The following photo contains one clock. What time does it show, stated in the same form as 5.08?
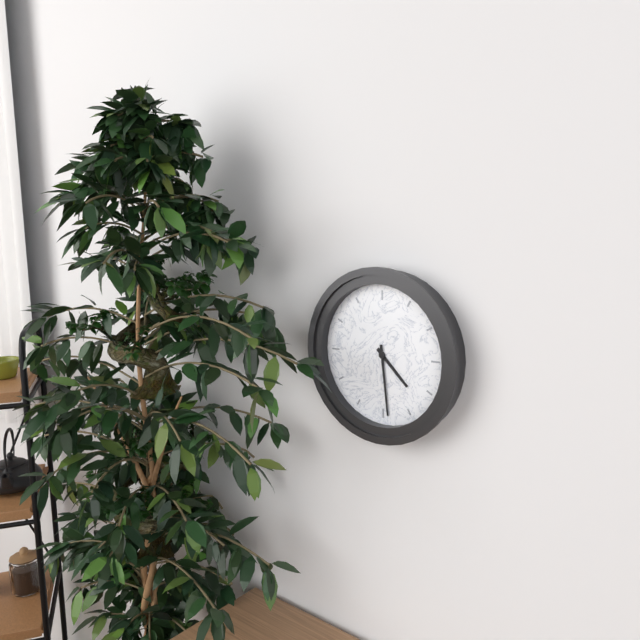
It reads 4.29
